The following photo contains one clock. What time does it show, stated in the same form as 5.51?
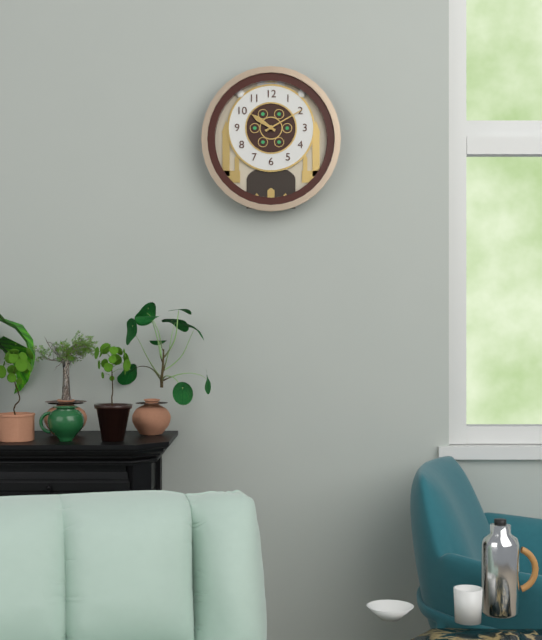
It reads 10.10
